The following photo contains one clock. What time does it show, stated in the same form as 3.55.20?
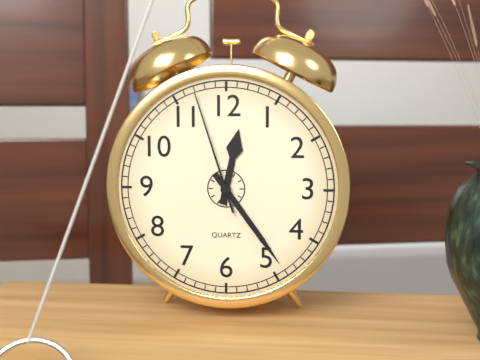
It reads 12.24.57
